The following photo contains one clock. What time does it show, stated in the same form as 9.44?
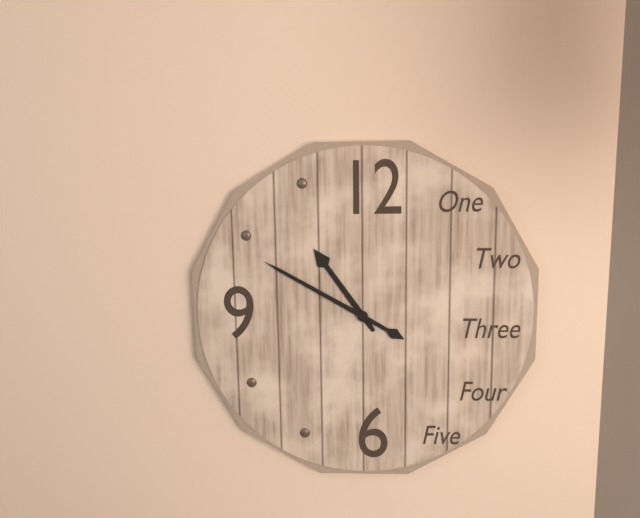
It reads 10.50
